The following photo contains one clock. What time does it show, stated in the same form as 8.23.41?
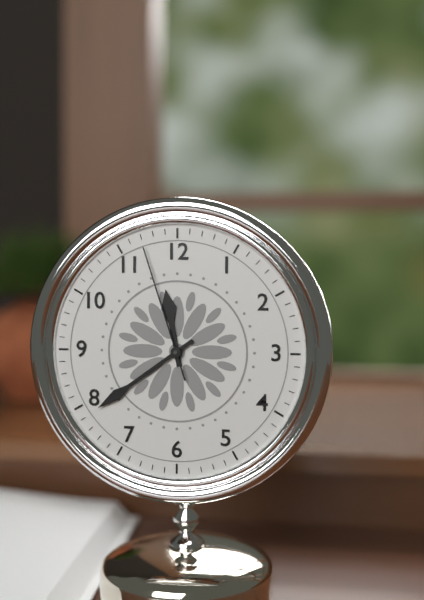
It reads 11.39.57
